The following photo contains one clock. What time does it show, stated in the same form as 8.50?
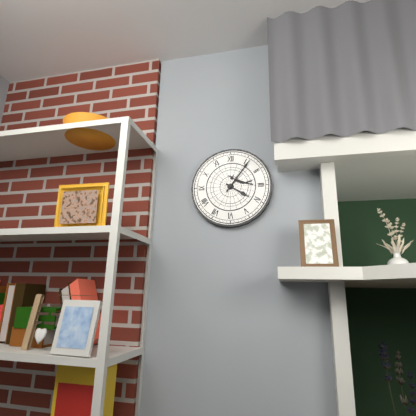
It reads 4.06
